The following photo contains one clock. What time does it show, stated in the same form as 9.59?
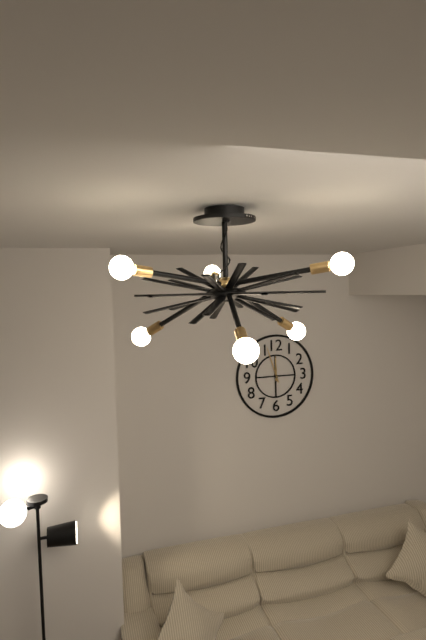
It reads 11.57
